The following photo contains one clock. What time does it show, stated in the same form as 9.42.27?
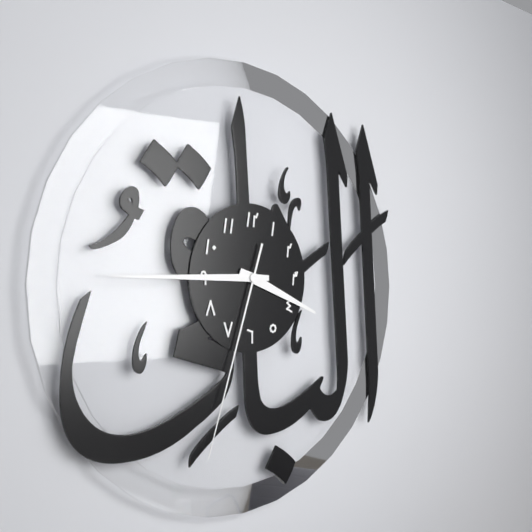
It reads 3.45.33
